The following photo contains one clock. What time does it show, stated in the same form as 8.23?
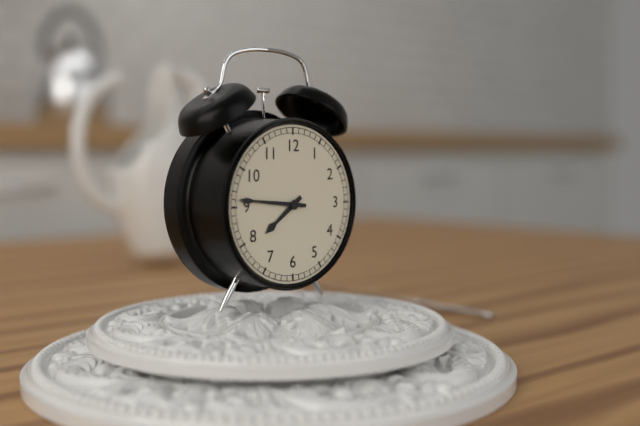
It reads 7.46
